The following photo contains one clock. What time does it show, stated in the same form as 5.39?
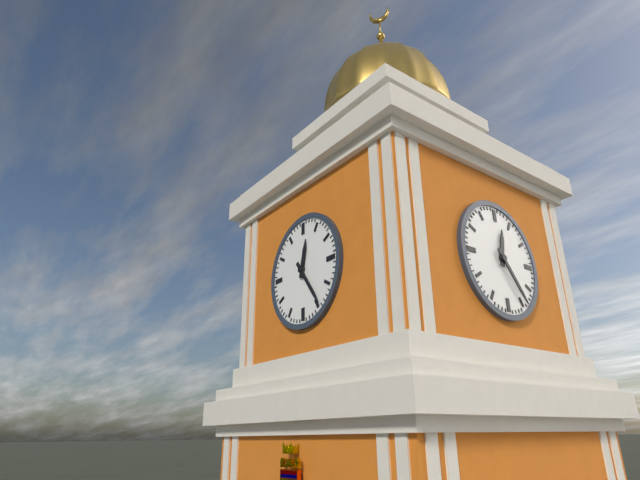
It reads 12.24
